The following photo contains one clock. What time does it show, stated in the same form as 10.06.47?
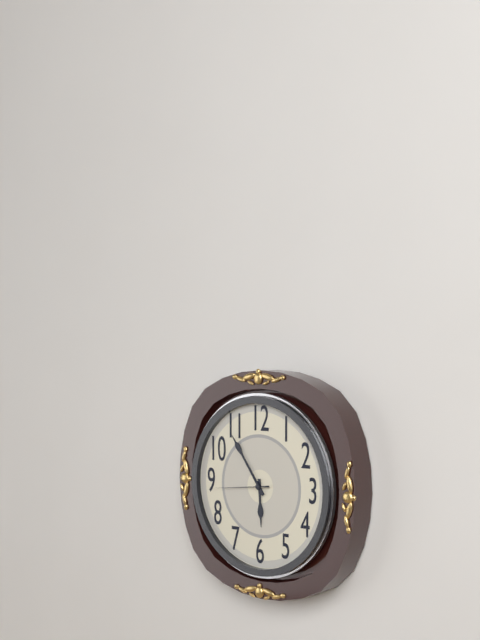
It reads 5.54.44
